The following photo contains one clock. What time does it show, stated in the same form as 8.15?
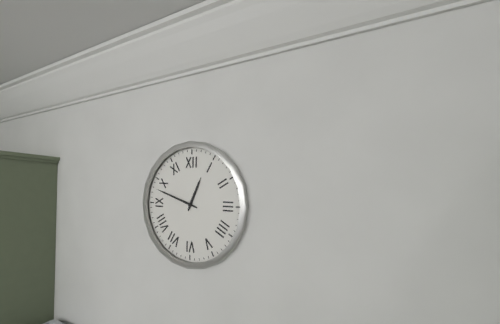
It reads 12.48
